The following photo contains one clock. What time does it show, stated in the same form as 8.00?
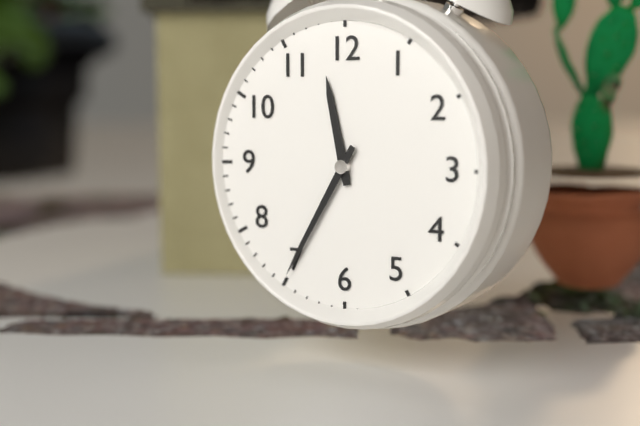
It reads 11.35
